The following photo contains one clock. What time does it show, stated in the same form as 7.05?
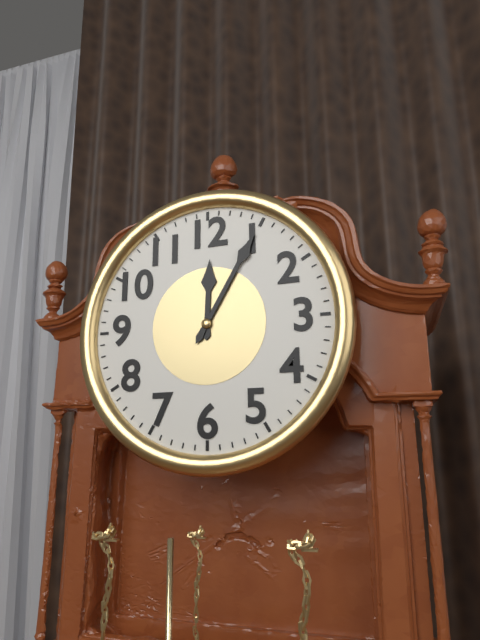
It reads 12.05
